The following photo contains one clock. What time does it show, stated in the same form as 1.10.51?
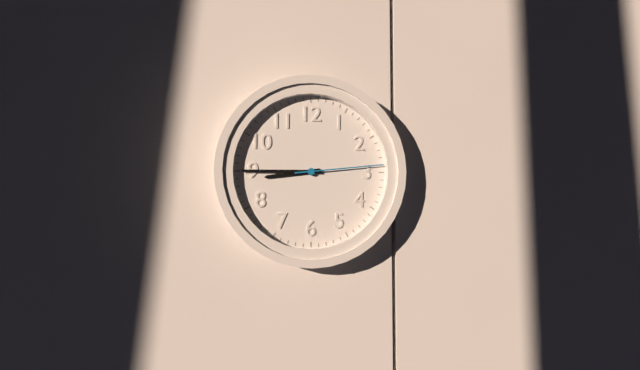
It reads 8.45.14
